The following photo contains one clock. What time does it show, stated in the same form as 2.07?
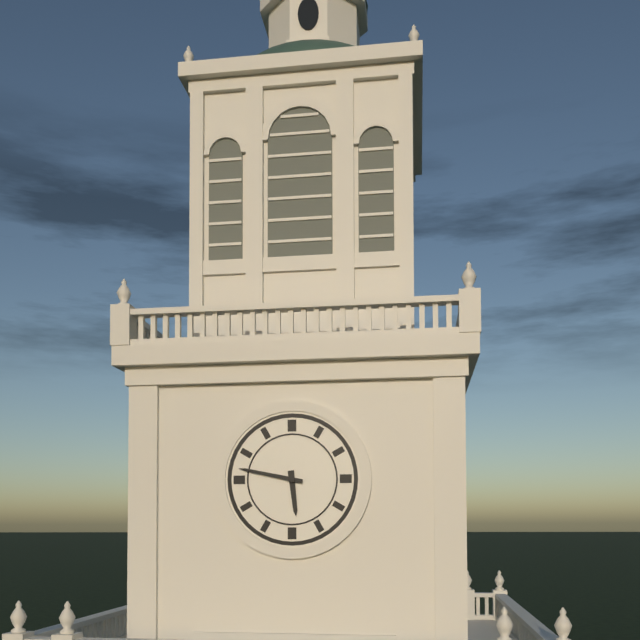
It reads 5.47
